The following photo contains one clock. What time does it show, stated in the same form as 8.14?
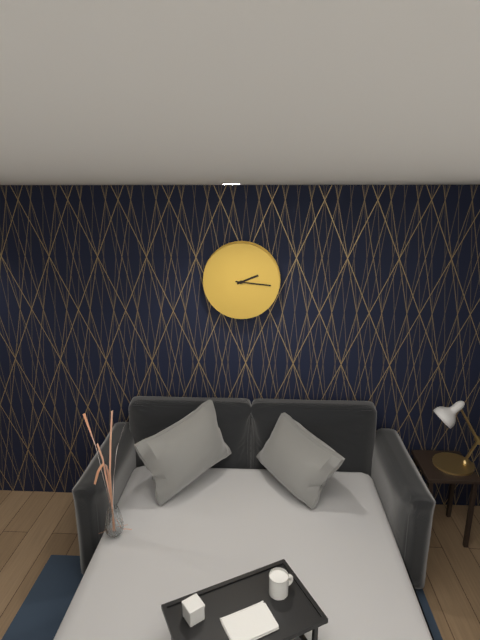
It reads 2.16
